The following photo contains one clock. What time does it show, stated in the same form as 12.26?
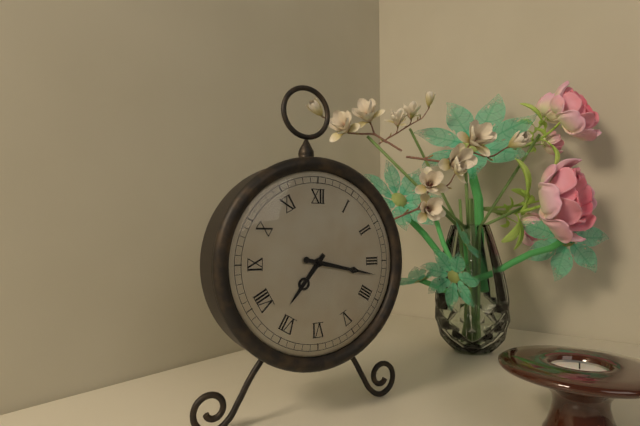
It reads 7.17
